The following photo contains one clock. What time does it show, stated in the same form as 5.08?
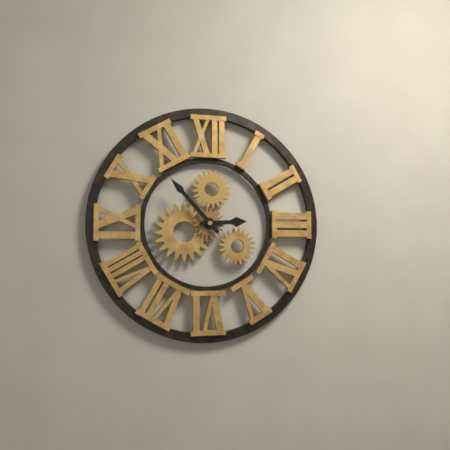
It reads 2.53
